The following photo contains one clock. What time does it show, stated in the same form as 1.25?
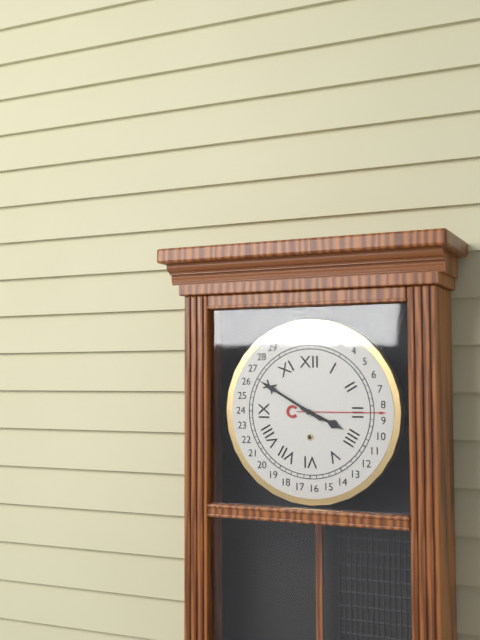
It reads 3.50
